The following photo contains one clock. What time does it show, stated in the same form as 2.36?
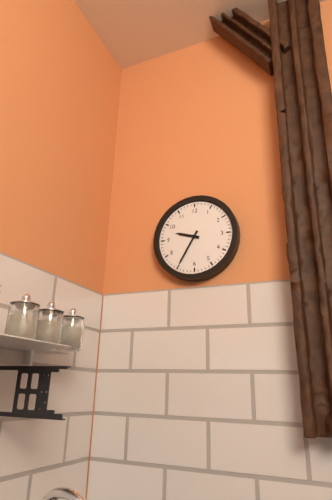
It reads 9.35
